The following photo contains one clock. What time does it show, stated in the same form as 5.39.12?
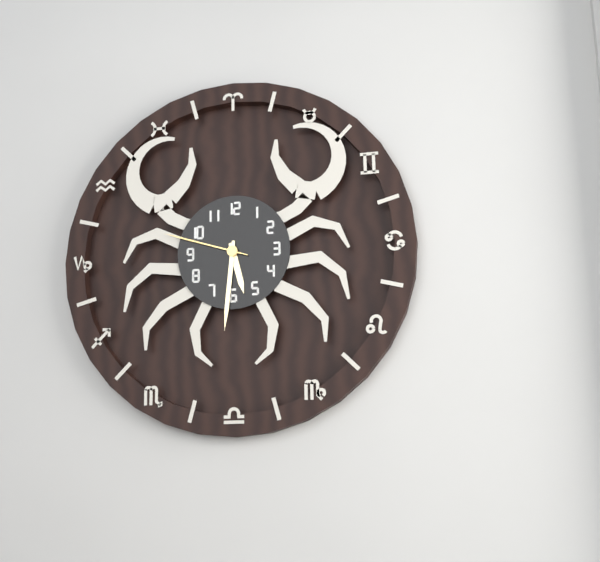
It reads 5.31.48
